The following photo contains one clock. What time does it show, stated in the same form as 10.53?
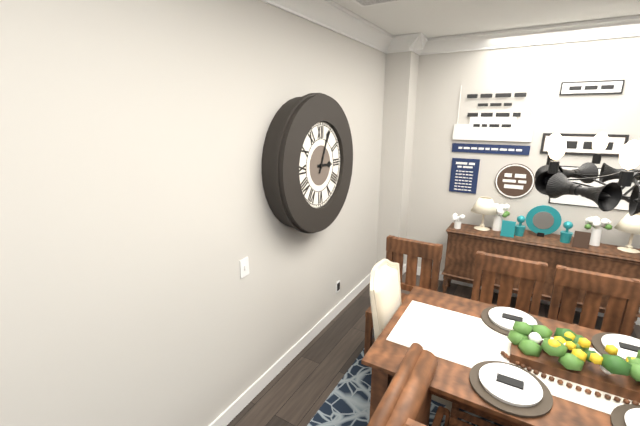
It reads 3.04
